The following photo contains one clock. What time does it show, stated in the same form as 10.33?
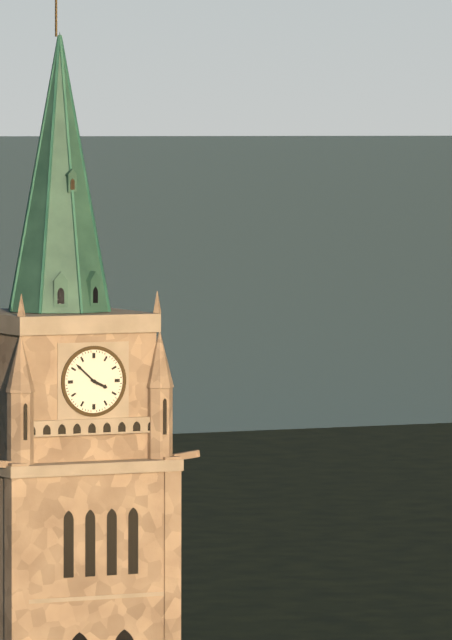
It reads 3.52
